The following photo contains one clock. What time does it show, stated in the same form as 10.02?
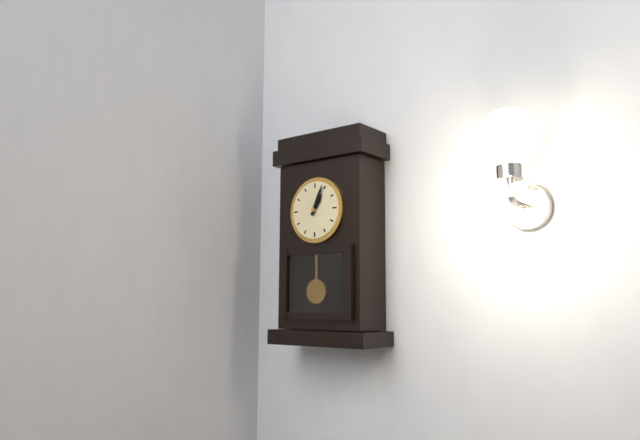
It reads 1.04
